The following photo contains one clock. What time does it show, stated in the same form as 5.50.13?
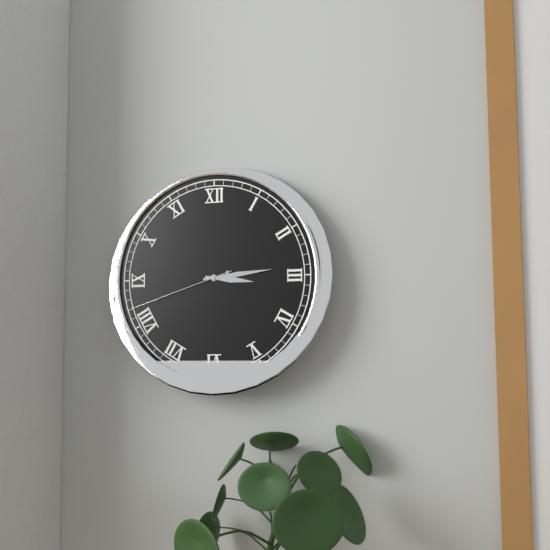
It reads 3.14.42
